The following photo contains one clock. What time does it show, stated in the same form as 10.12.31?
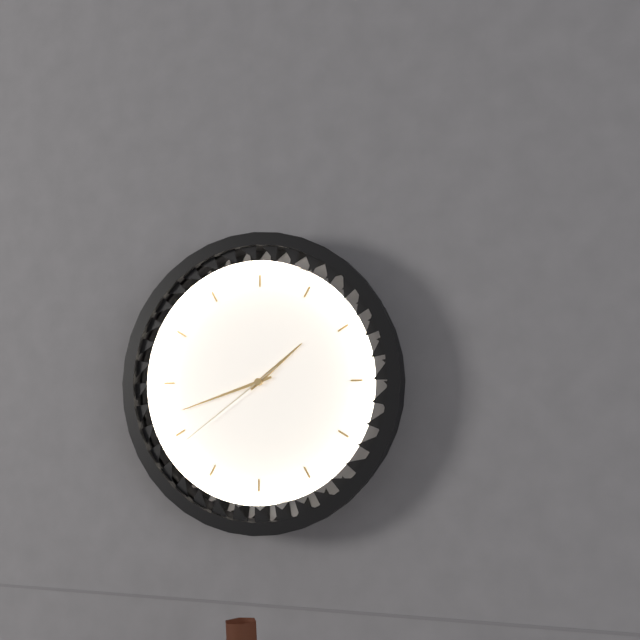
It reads 1.42.39
